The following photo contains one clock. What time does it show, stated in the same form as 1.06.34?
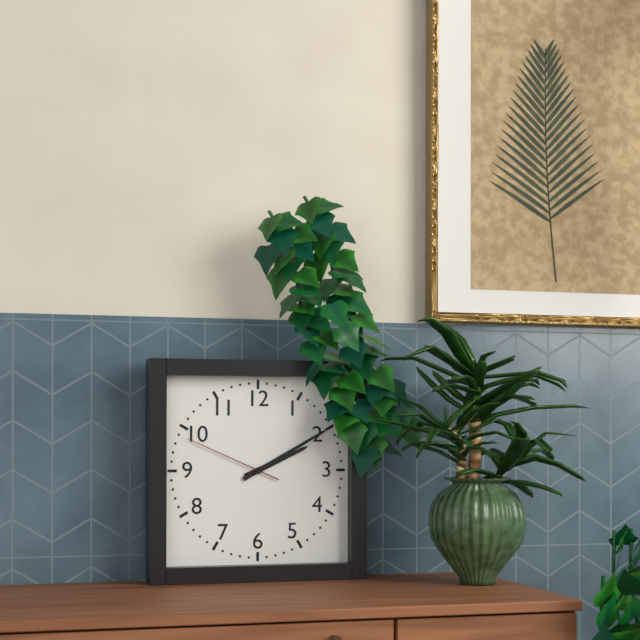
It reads 2.10.49
